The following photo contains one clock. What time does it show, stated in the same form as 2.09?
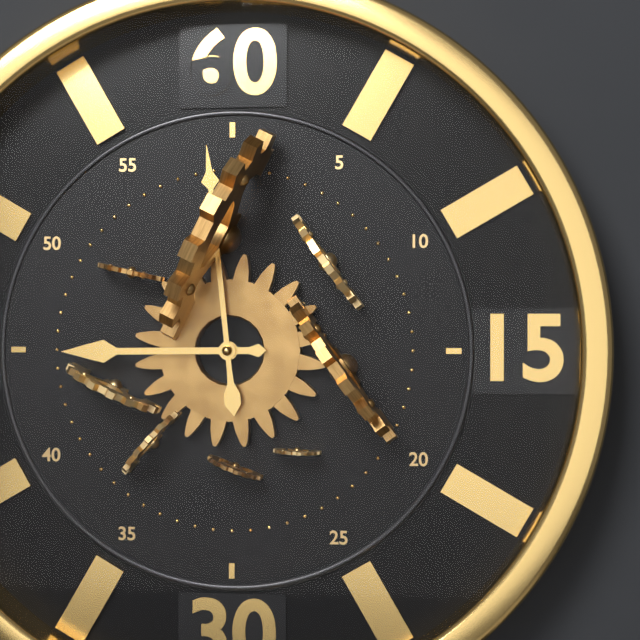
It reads 8.59
